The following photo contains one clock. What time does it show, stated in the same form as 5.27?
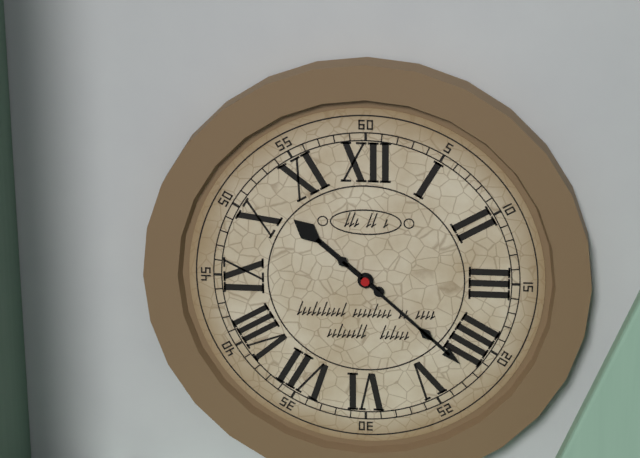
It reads 10.22
